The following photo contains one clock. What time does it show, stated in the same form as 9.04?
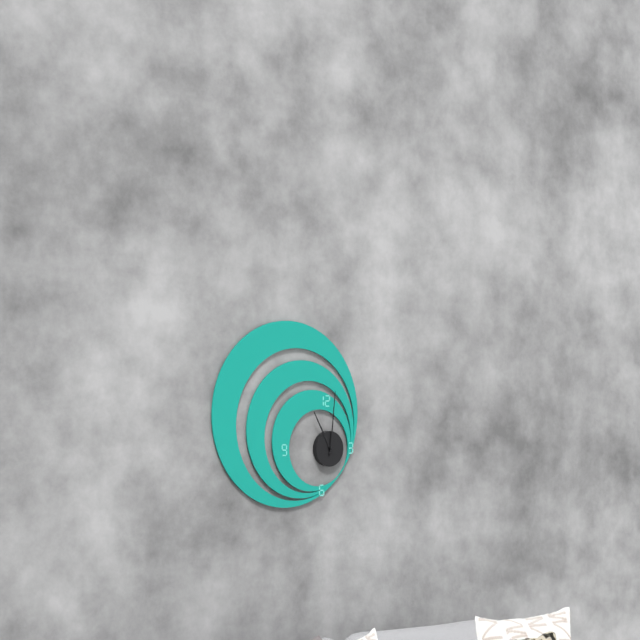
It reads 11.01
